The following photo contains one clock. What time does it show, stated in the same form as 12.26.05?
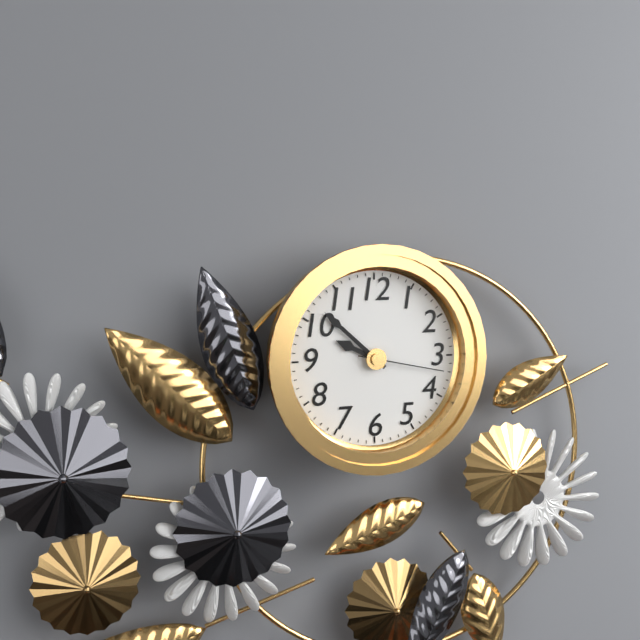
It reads 9.52.17
